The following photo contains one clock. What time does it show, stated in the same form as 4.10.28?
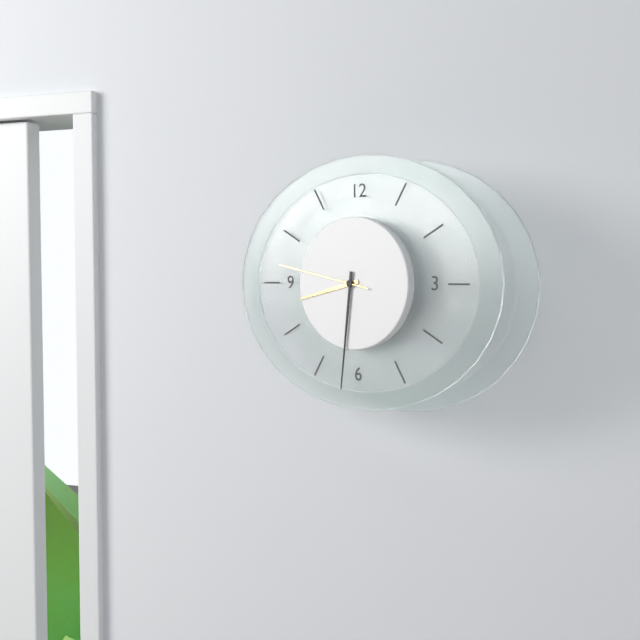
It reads 8.31.47
